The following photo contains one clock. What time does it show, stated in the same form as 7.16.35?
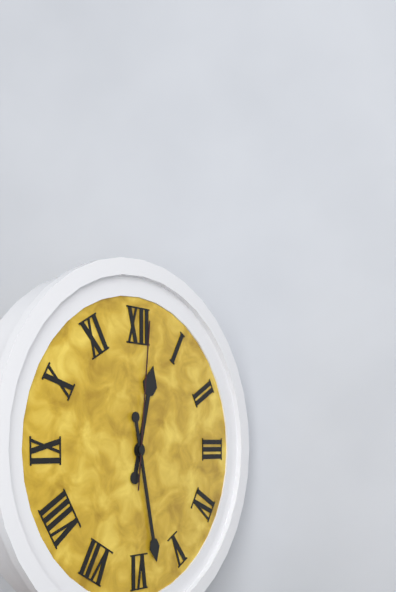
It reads 12.28.01
